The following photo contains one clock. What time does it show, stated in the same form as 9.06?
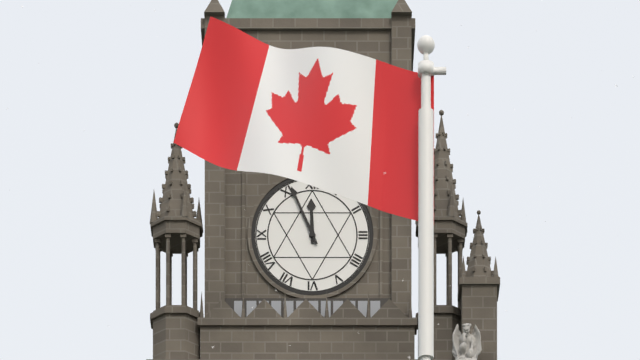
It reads 11.56
